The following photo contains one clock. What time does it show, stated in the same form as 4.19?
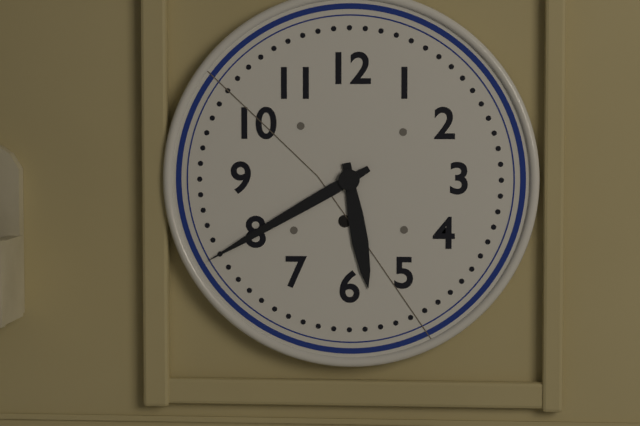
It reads 5.40
